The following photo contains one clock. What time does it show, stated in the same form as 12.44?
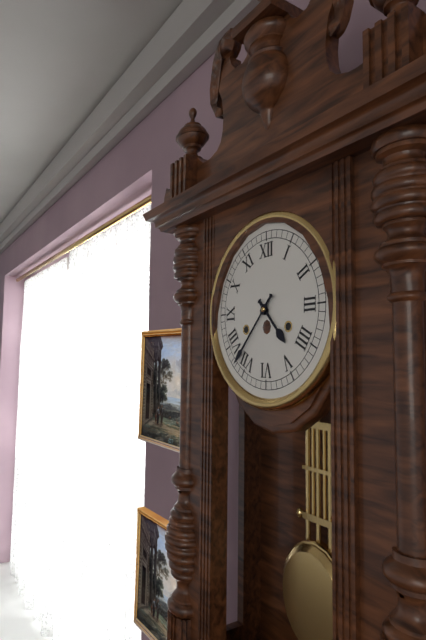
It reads 4.37
